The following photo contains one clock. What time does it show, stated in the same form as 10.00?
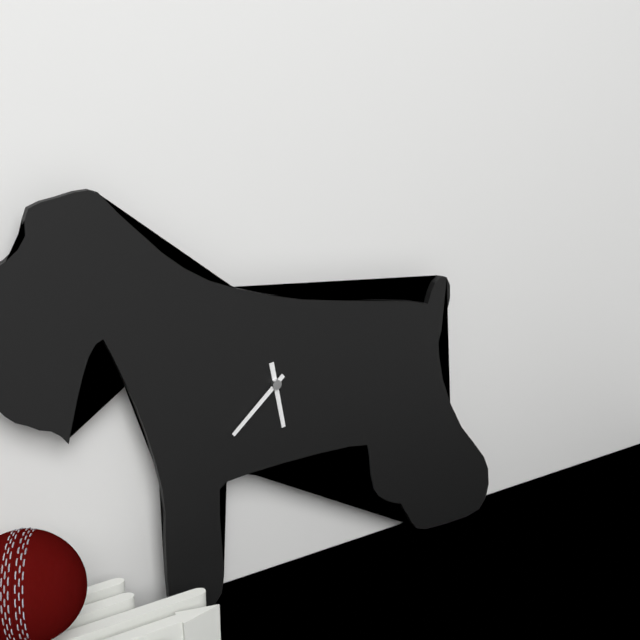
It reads 5.38
